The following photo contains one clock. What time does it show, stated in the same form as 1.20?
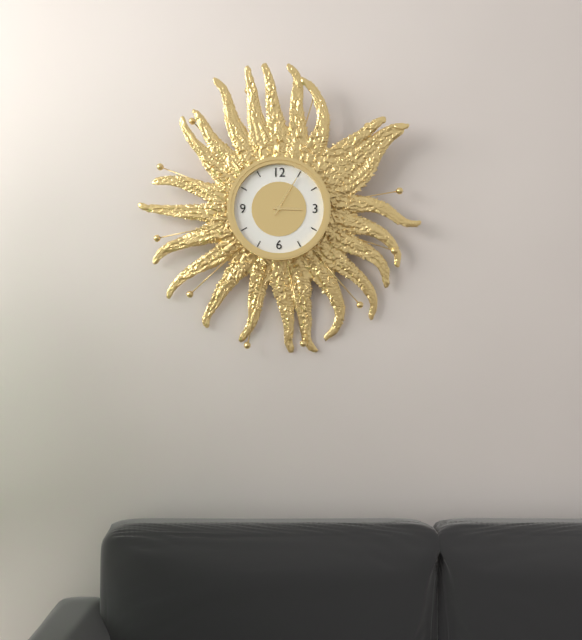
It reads 3.05
